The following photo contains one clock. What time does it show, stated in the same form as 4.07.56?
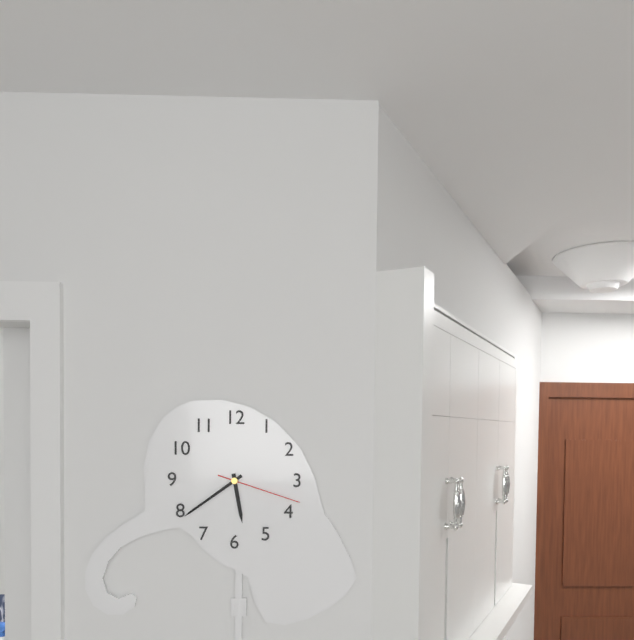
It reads 5.39.18
